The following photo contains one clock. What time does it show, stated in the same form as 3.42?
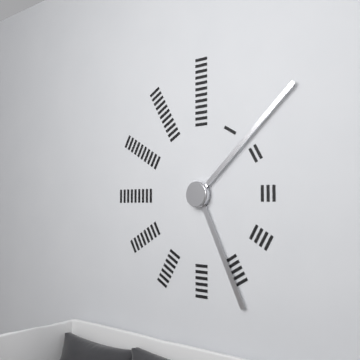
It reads 5.08
